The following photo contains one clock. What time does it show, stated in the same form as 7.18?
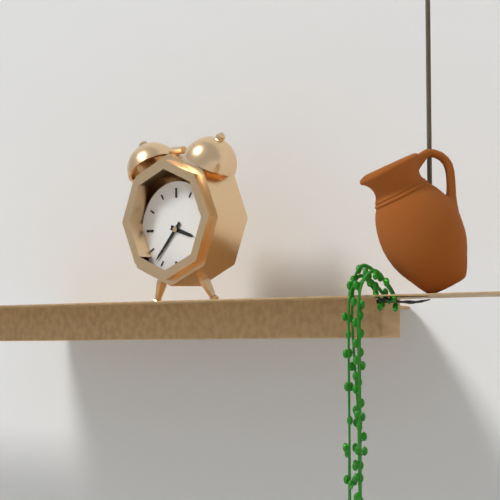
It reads 3.37
